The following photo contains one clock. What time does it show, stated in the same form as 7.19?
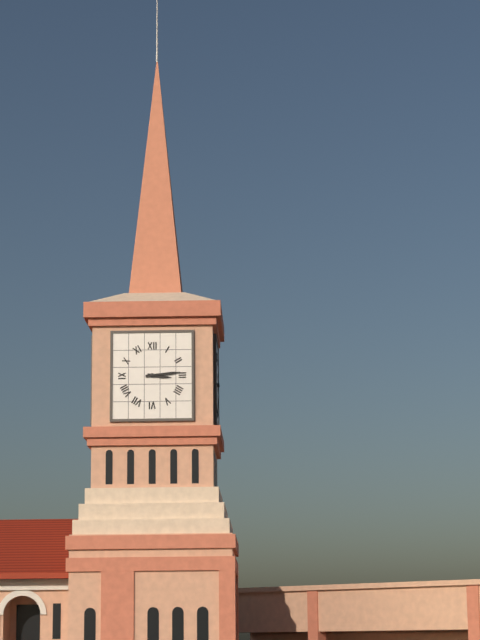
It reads 3.14
